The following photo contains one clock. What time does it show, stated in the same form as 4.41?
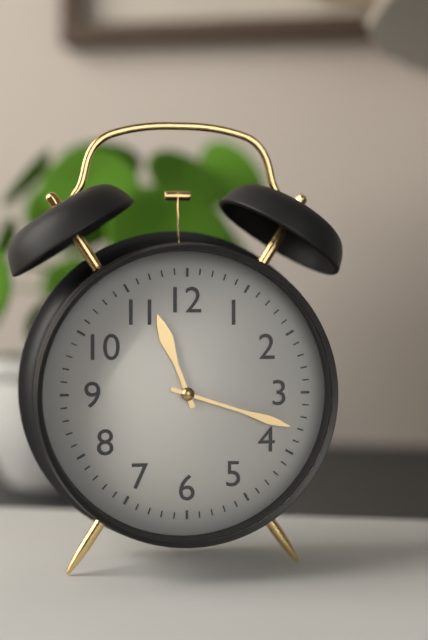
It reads 11.18
